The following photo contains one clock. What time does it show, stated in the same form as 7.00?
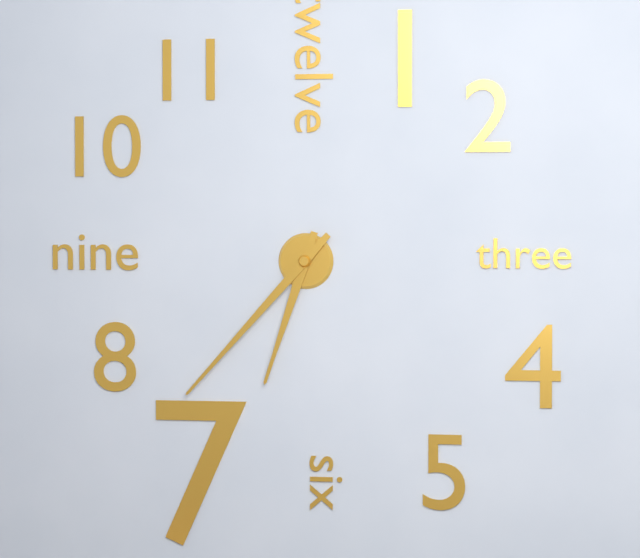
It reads 6.37
